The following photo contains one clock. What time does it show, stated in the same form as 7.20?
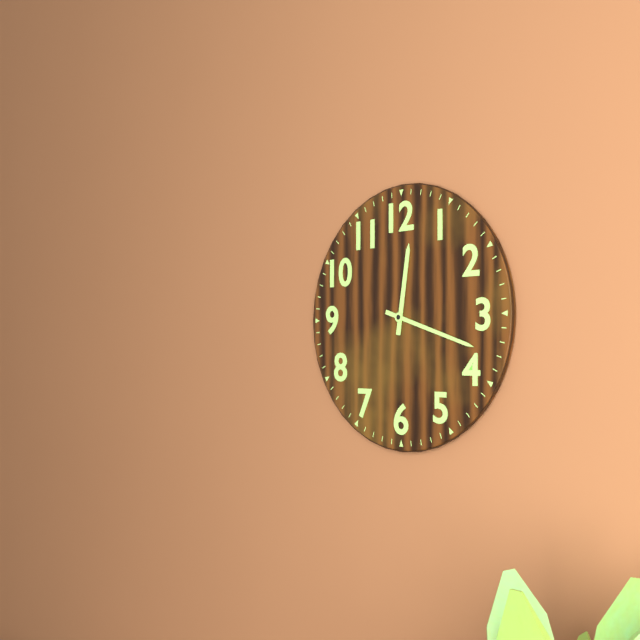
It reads 12.18
